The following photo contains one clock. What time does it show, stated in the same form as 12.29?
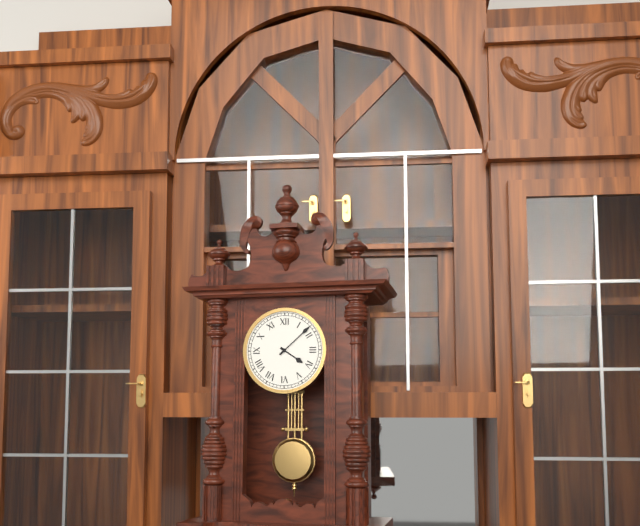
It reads 4.08
